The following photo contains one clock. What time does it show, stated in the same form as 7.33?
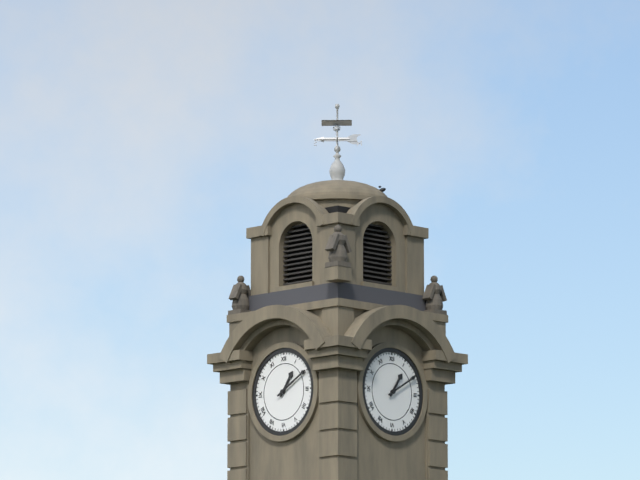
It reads 1.10
